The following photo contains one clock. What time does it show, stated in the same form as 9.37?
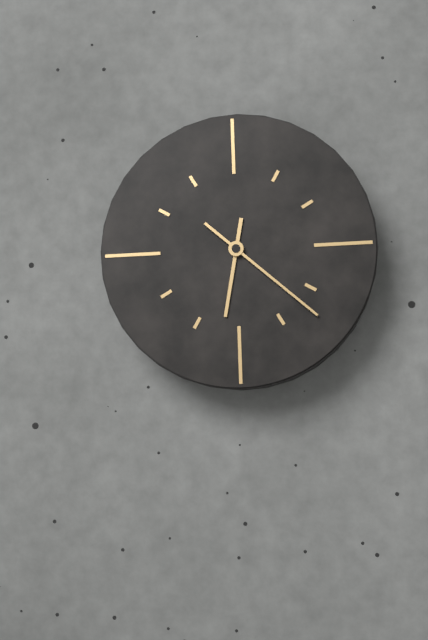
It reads 6.22
